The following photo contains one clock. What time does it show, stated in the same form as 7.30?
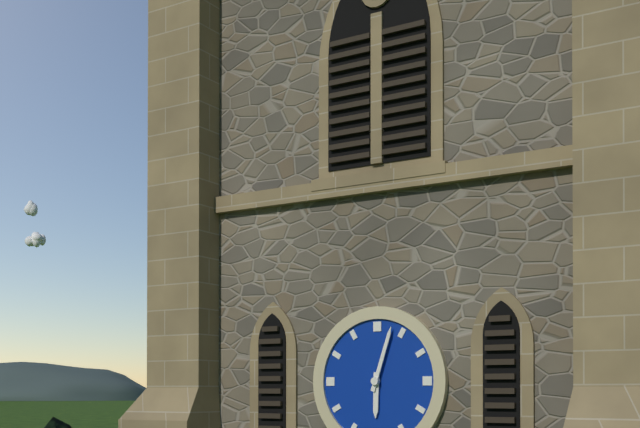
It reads 6.03
